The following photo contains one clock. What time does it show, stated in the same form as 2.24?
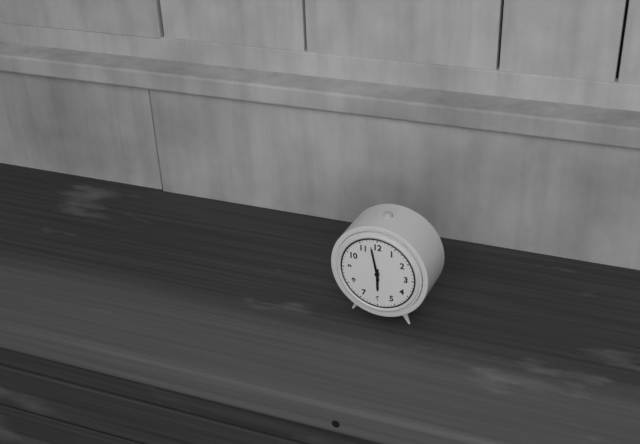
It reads 5.58
